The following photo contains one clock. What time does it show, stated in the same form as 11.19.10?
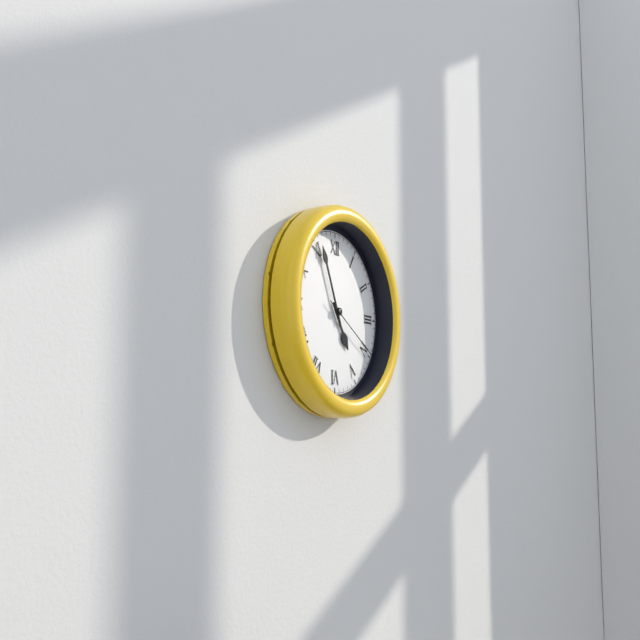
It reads 4.56.20
